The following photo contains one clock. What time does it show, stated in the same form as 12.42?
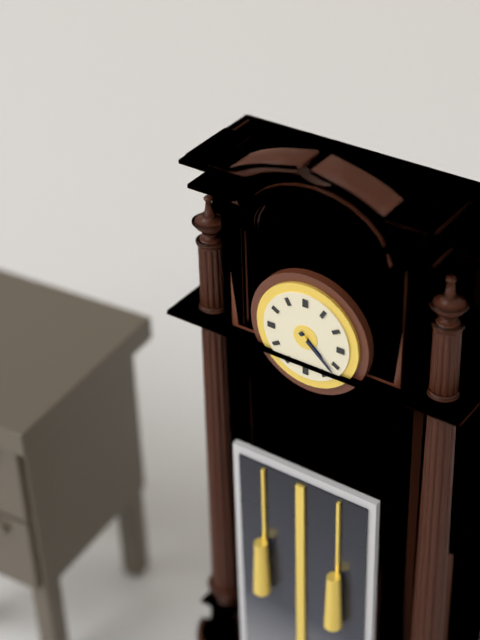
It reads 4.22
